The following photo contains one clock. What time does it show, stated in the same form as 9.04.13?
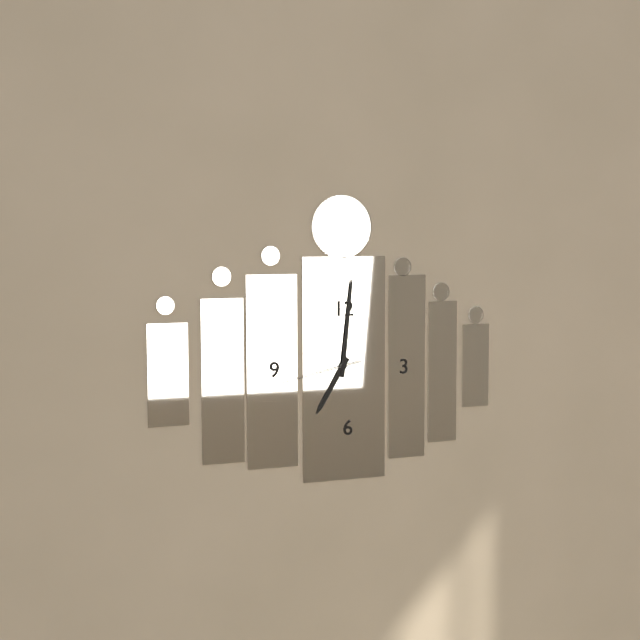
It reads 7.01.43
